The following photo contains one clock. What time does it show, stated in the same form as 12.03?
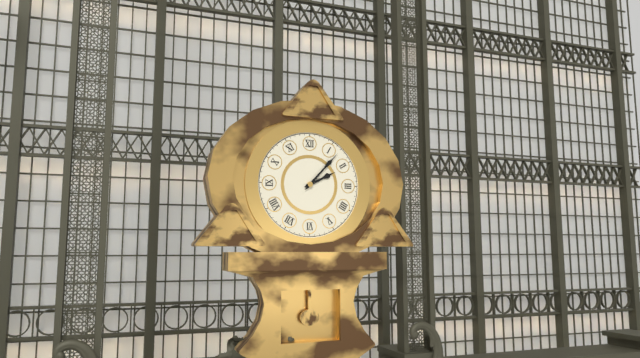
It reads 2.07
